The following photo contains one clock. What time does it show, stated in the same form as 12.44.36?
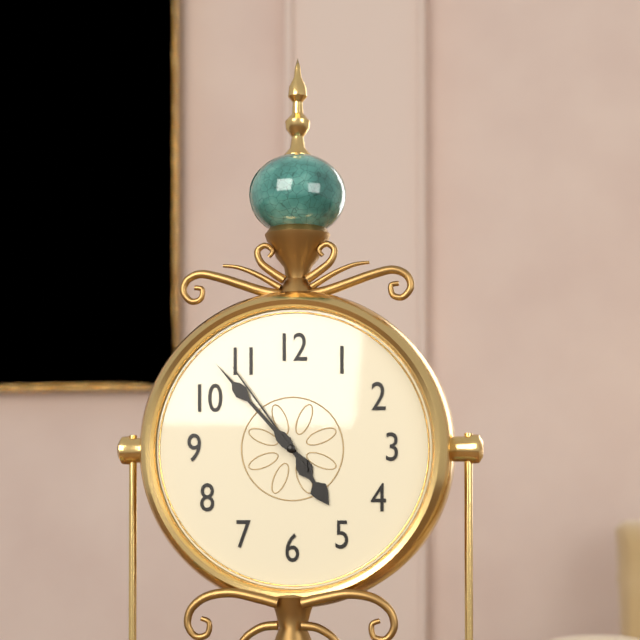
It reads 4.53.54
